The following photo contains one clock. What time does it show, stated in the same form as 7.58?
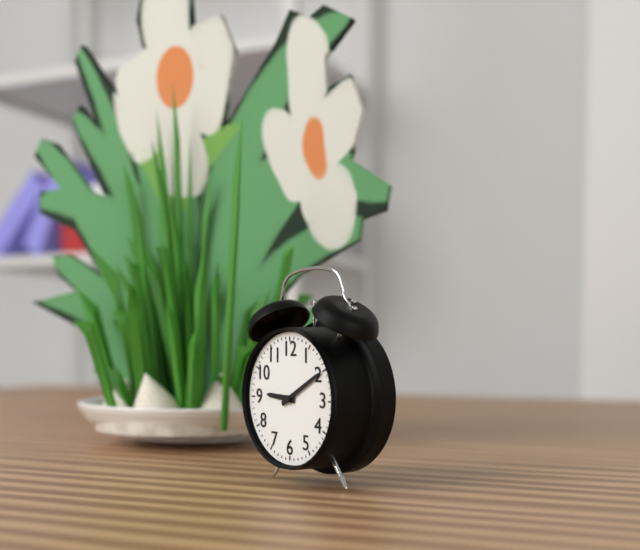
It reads 9.10
